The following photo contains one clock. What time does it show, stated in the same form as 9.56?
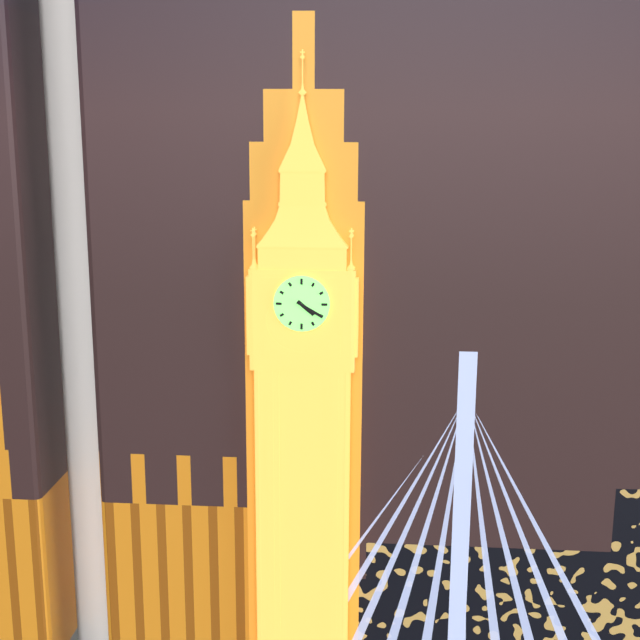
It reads 4.20
